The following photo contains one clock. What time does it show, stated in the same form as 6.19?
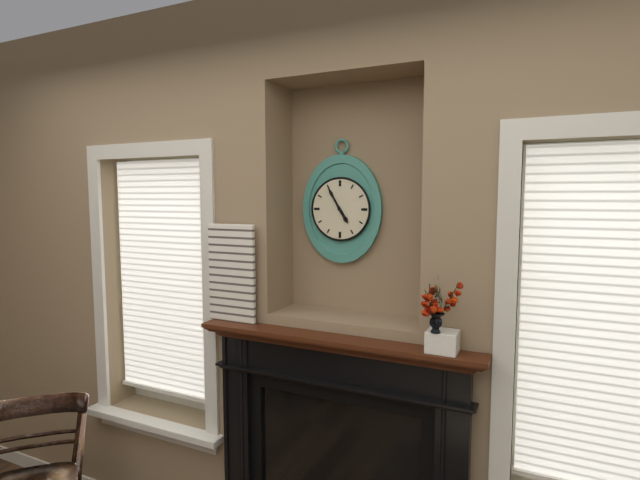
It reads 4.55
